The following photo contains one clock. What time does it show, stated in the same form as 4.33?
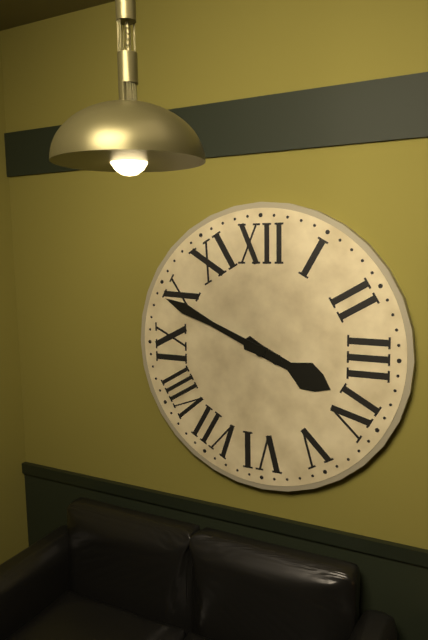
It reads 3.49
